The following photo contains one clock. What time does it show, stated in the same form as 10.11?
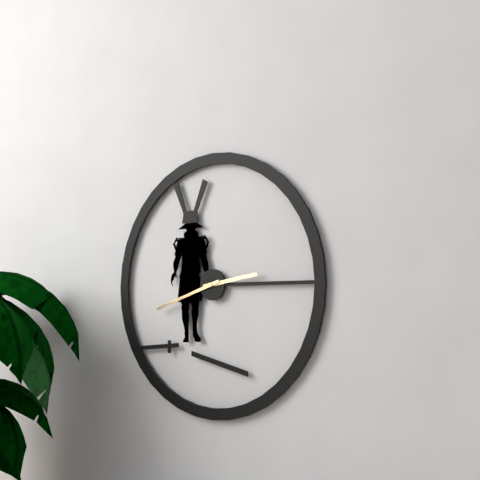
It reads 2.42
